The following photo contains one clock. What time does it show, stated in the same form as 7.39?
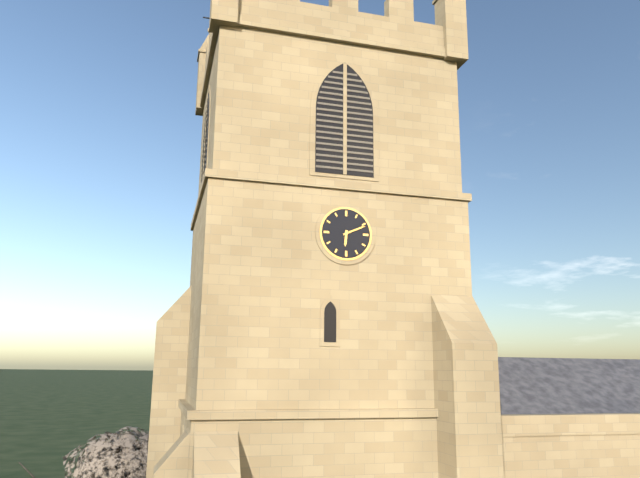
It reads 6.11
